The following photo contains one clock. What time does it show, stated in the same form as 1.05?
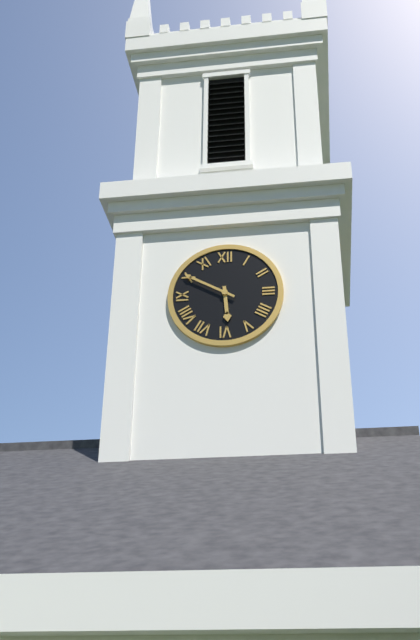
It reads 5.50
